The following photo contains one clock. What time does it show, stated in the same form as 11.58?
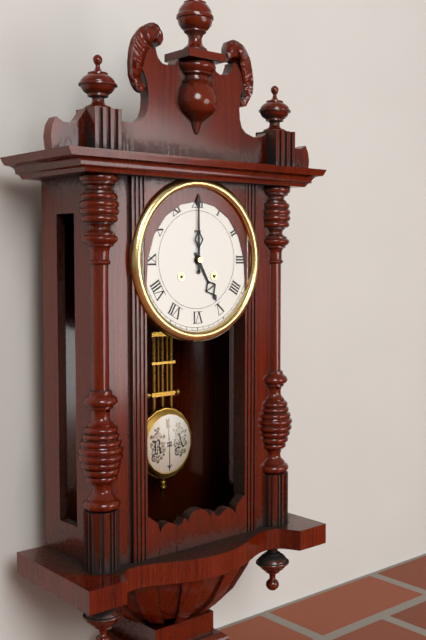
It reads 5.00
